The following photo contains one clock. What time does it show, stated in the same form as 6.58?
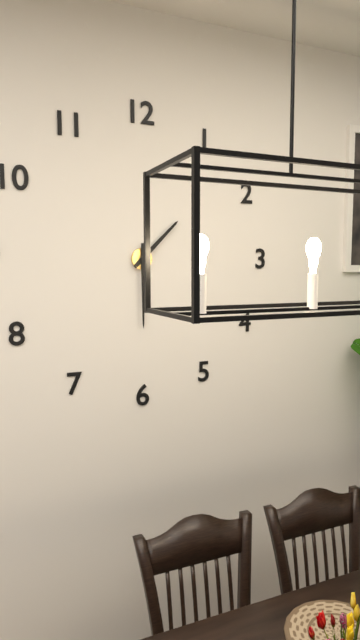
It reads 1.30
